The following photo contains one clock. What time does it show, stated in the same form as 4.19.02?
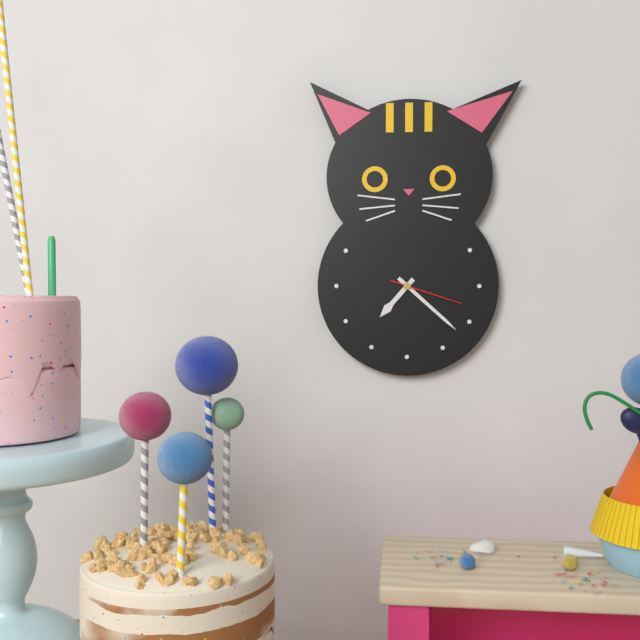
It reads 7.22.18
